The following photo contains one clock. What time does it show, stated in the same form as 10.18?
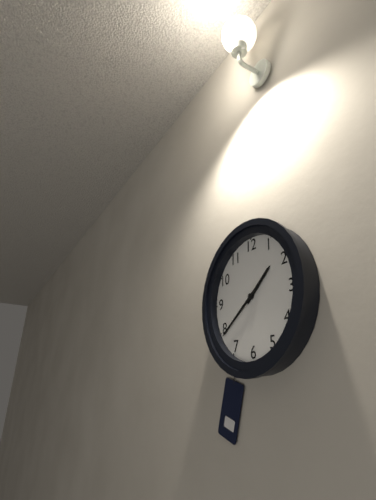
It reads 1.39
